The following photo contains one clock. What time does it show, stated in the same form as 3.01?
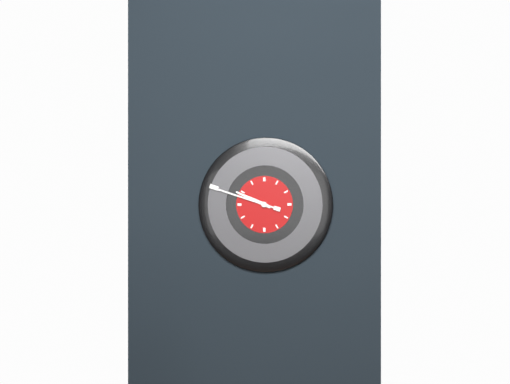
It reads 9.48
